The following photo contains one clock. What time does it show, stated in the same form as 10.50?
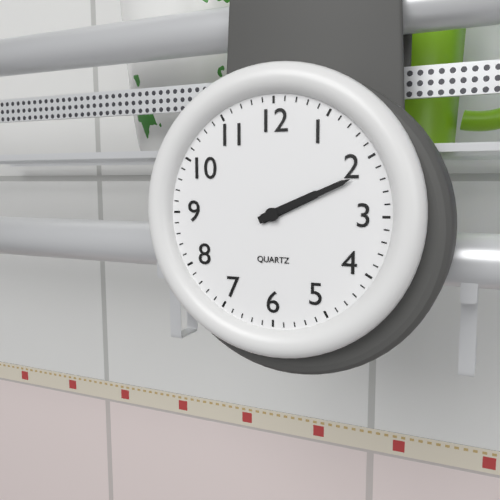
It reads 2.11
